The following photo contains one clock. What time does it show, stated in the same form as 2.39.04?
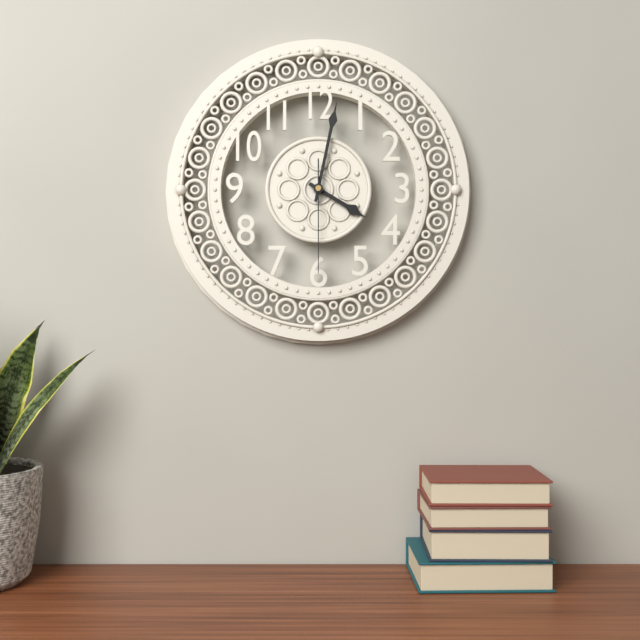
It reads 4.02.30
